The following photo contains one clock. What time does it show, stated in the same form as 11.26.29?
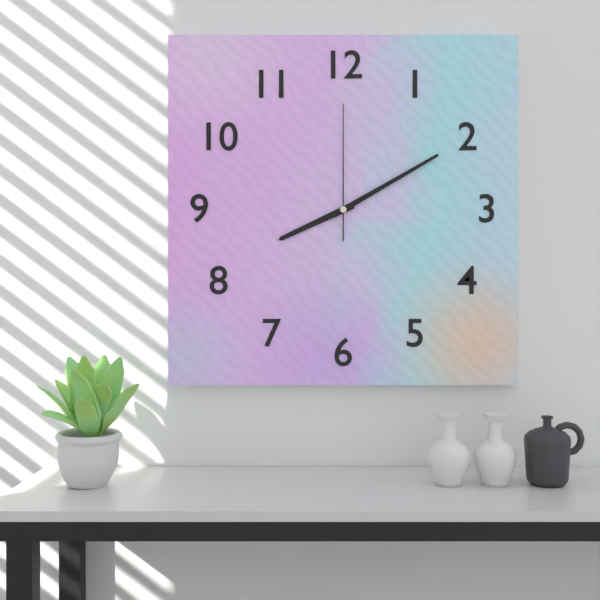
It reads 8.10.00
